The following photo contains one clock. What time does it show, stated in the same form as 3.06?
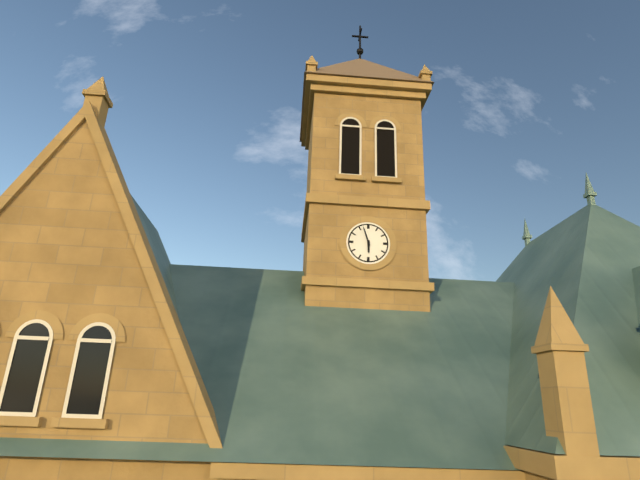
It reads 5.57
